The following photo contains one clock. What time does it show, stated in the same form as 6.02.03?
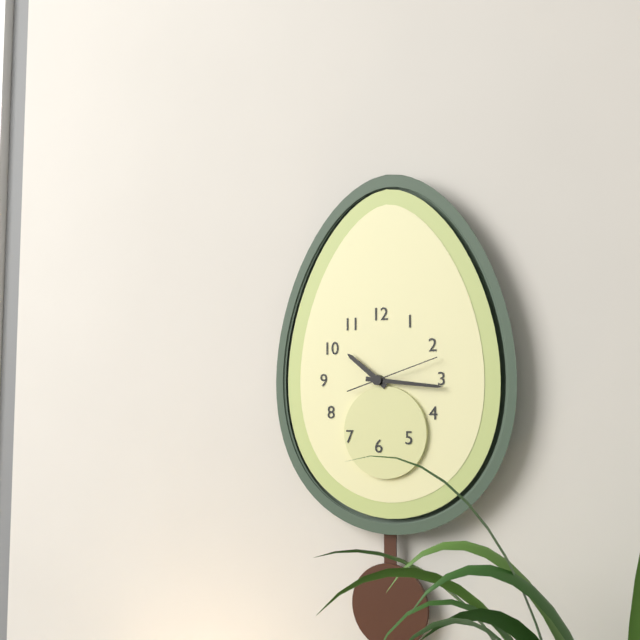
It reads 10.16.12
